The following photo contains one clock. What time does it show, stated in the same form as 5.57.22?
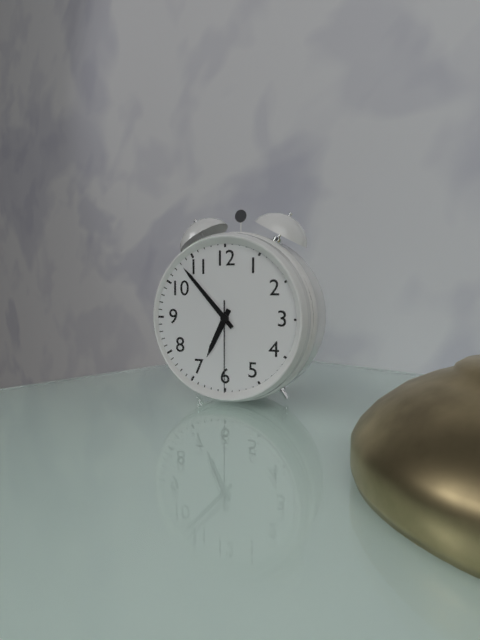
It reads 6.53.30
